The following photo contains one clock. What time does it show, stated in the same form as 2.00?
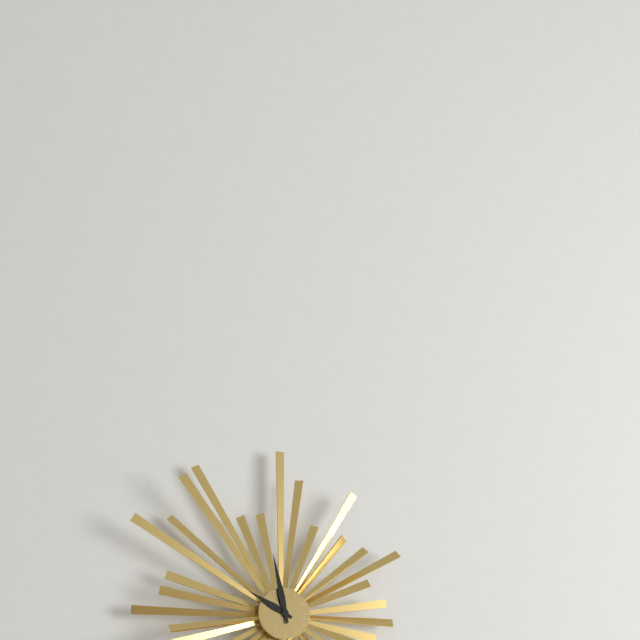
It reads 9.58
